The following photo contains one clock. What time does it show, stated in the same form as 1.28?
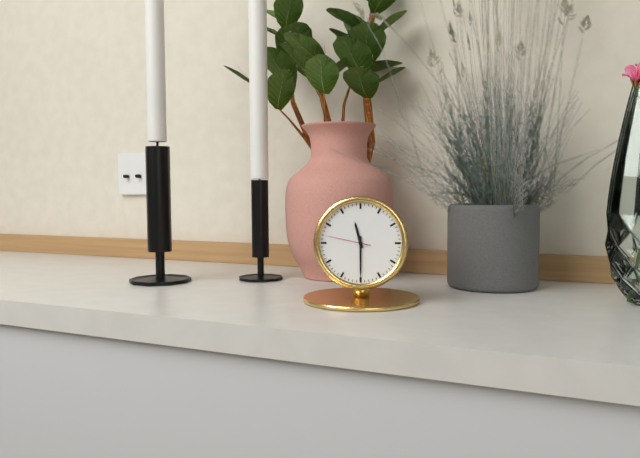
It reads 11.30
